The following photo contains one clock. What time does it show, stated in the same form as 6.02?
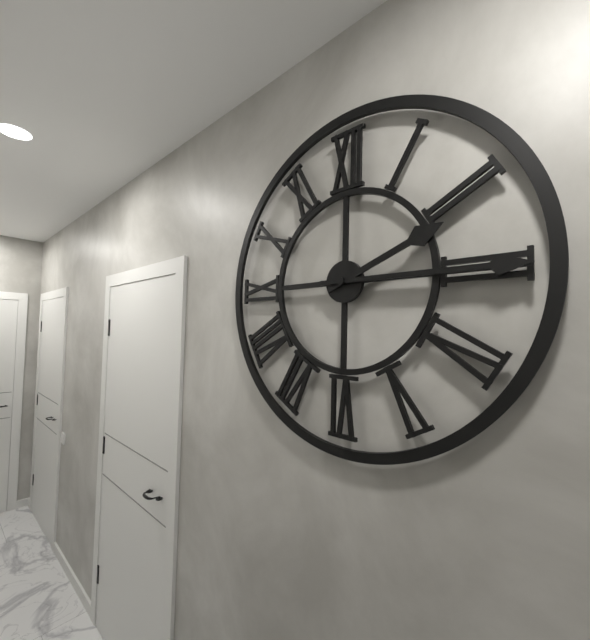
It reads 2.15
